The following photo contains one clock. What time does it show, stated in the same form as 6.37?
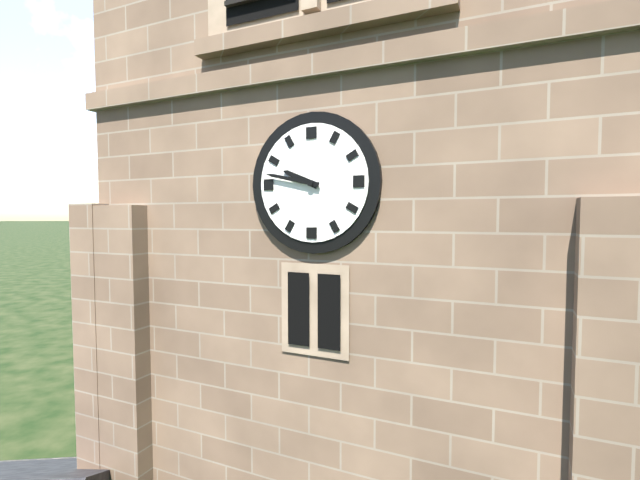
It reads 9.47
